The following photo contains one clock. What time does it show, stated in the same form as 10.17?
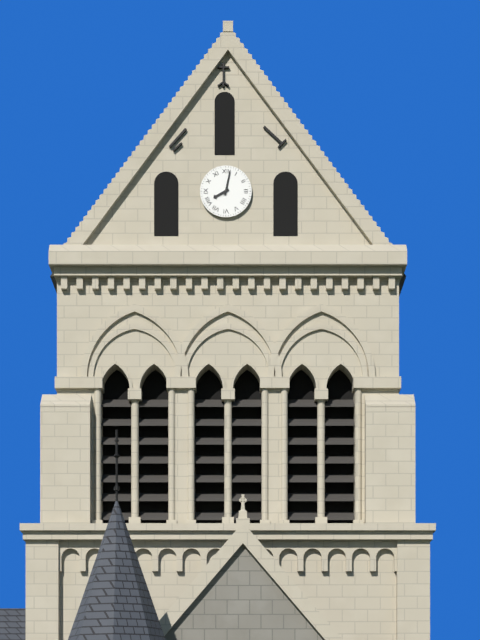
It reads 8.02
